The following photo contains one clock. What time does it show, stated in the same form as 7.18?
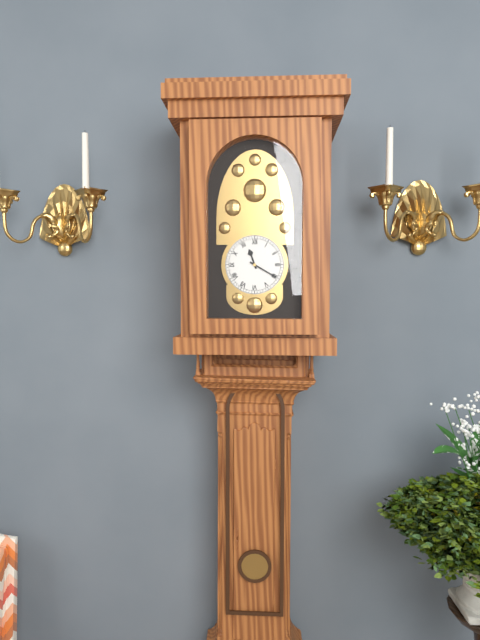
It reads 11.20
